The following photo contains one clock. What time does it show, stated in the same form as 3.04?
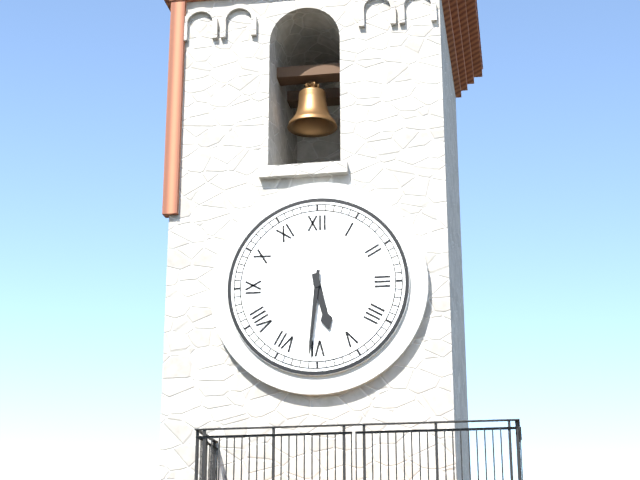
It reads 5.31
